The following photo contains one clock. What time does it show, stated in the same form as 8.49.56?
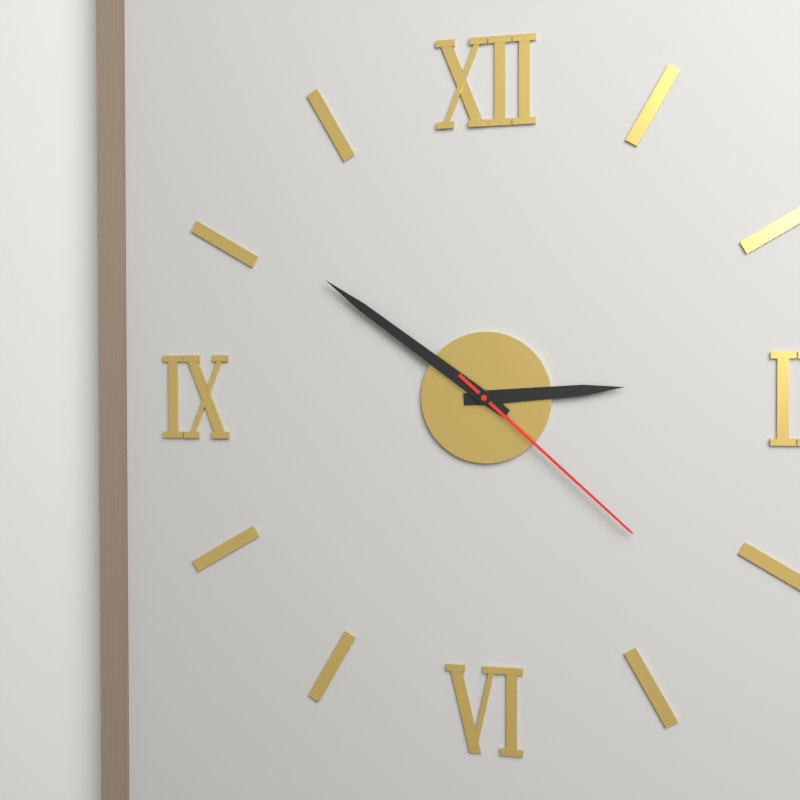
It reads 2.51.22
